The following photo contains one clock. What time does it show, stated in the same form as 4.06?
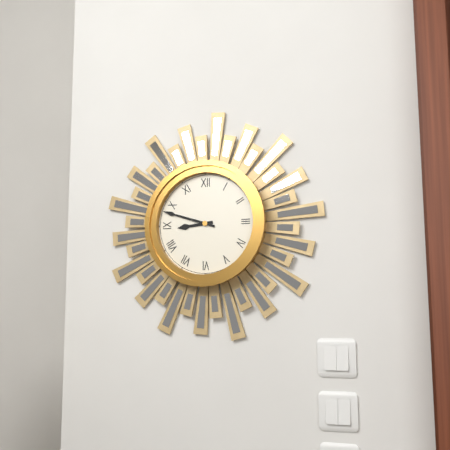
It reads 8.48
